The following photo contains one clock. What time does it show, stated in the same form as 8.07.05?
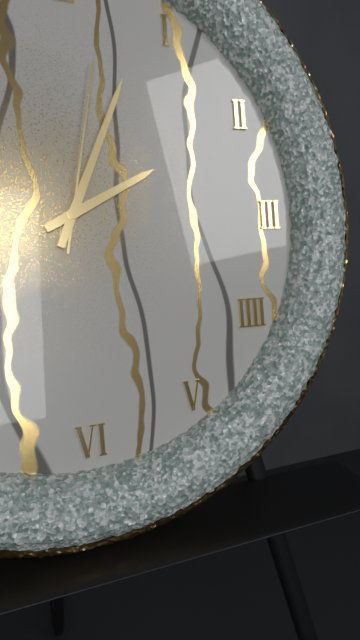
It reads 2.04.02
